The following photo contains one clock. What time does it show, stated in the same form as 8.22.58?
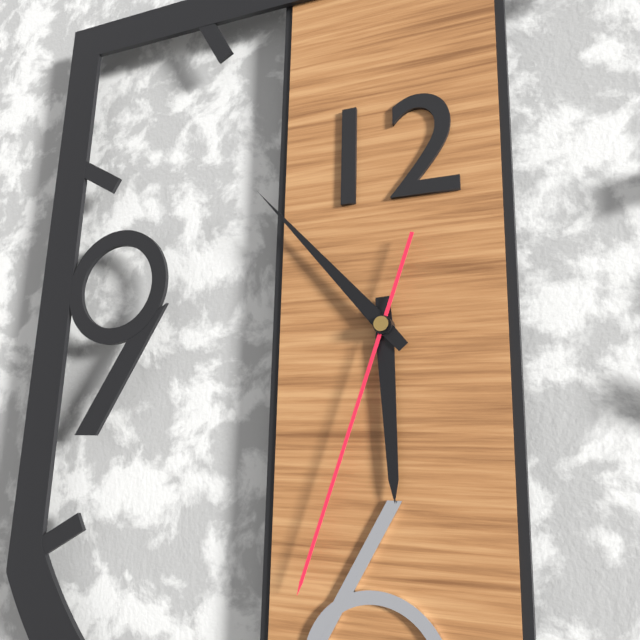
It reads 5.53.33
